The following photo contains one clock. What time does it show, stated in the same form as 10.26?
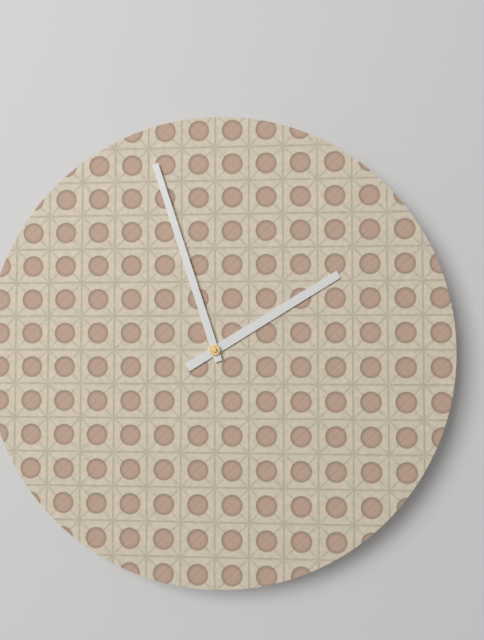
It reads 1.57
